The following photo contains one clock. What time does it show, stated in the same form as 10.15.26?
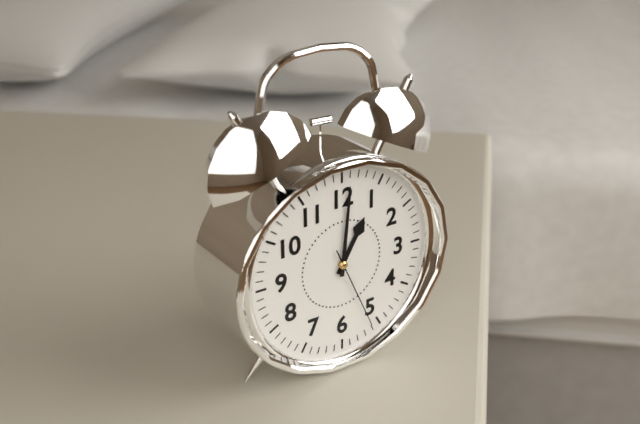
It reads 1.01.26
